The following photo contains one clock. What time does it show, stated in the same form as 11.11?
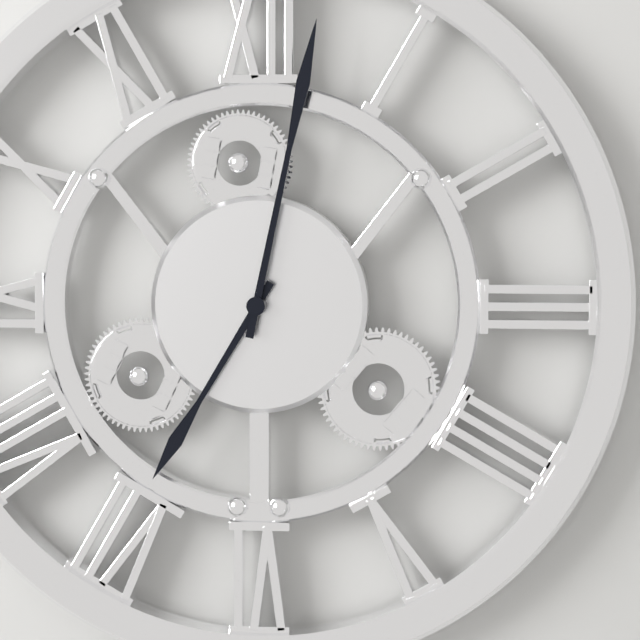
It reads 7.02
